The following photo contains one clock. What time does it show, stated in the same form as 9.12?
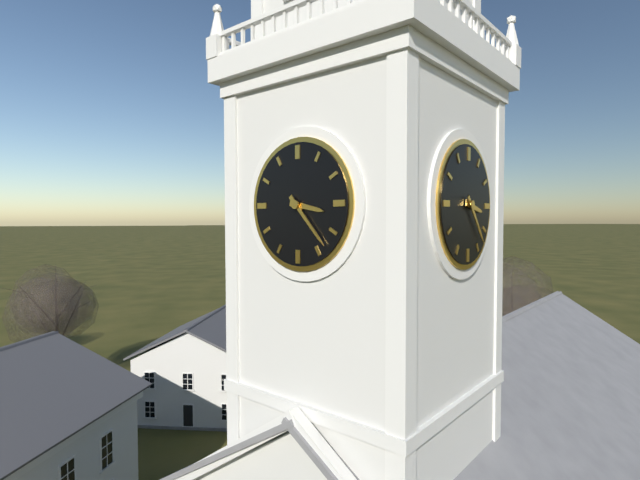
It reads 3.23
